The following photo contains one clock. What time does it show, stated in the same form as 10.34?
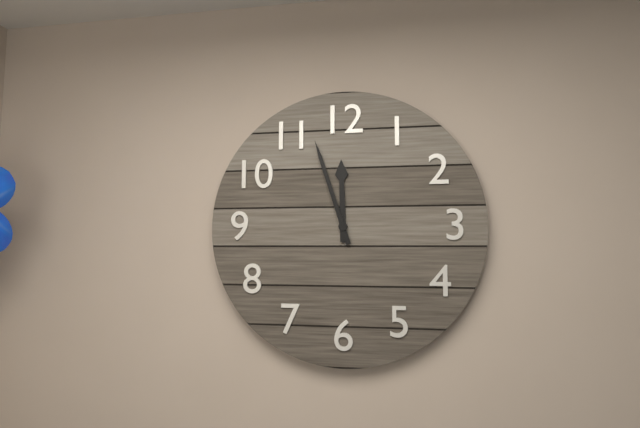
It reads 11.57
